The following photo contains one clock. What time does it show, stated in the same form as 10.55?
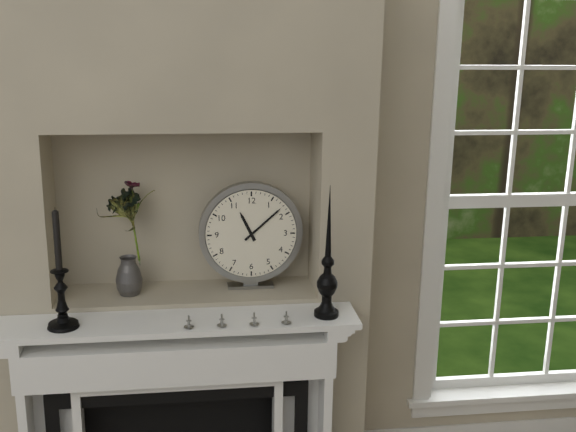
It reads 11.08
